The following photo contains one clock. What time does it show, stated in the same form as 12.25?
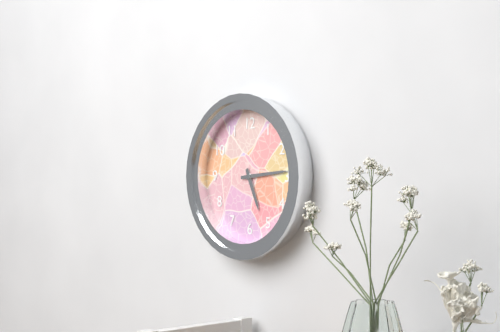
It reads 5.14
